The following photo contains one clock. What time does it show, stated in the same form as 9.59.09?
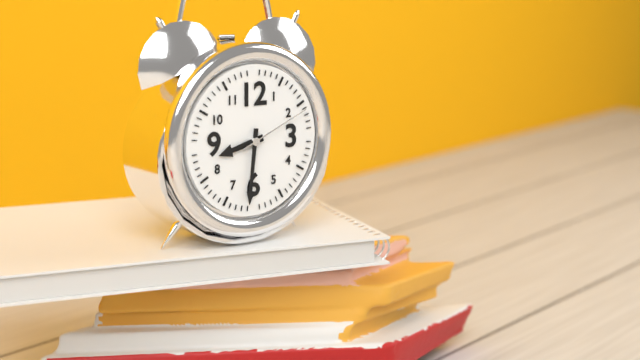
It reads 8.31.11
